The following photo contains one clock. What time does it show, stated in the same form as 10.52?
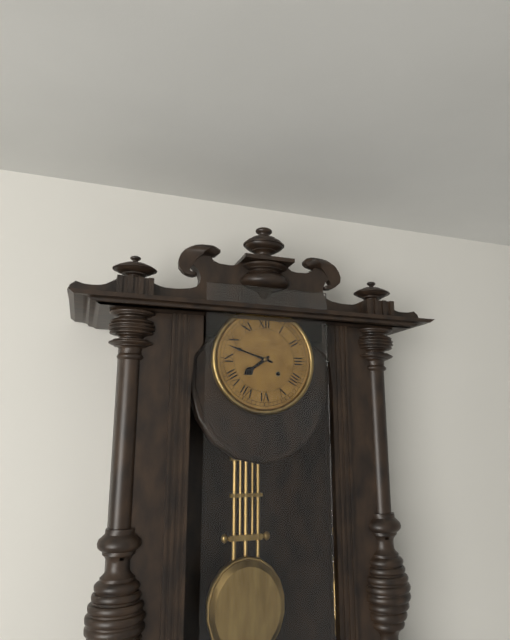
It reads 7.48
